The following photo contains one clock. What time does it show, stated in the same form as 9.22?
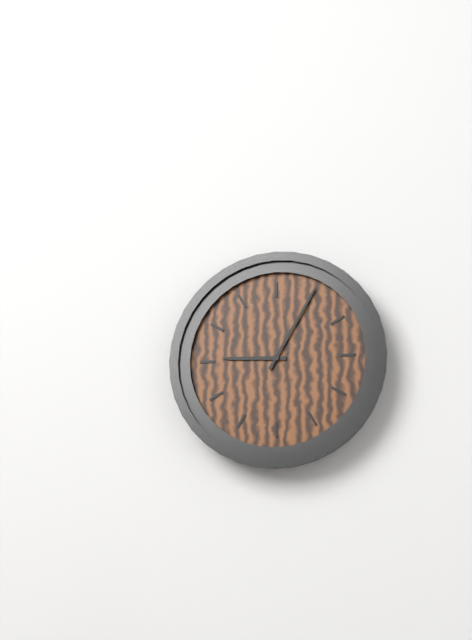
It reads 9.05
